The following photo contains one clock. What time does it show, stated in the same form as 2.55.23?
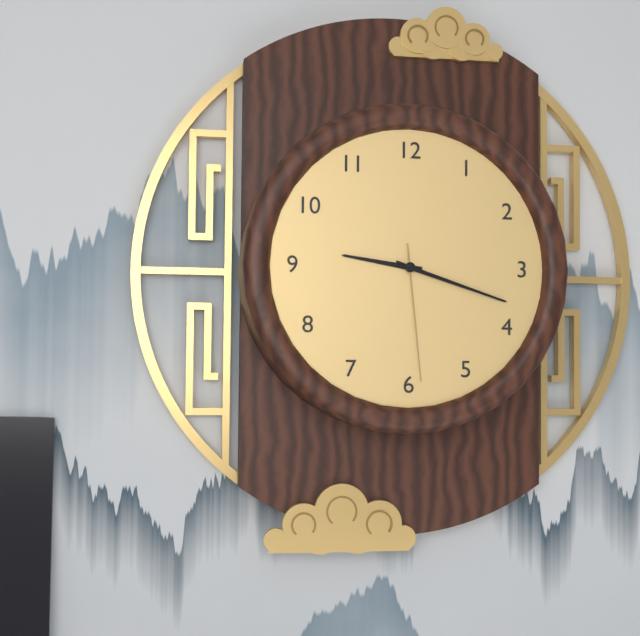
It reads 9.18.29
